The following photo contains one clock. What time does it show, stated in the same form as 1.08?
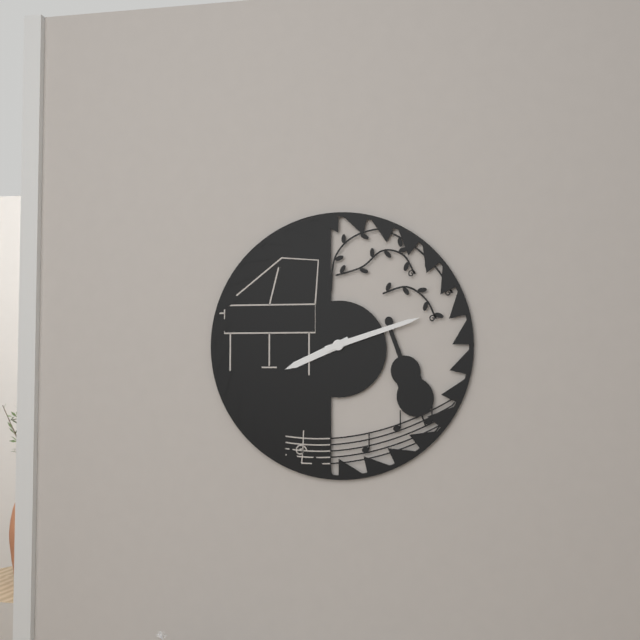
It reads 8.12
